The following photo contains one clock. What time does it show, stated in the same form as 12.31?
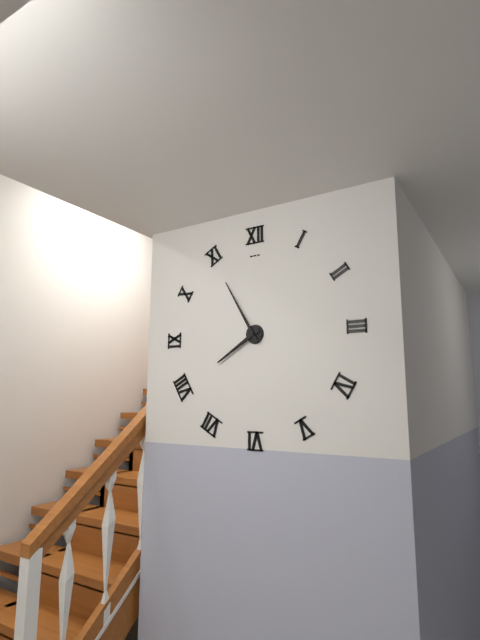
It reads 7.55
